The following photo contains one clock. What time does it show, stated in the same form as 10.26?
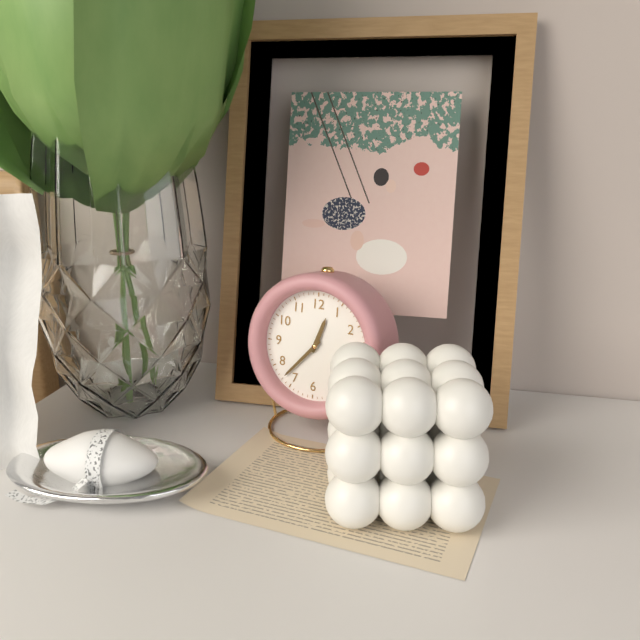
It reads 12.37
